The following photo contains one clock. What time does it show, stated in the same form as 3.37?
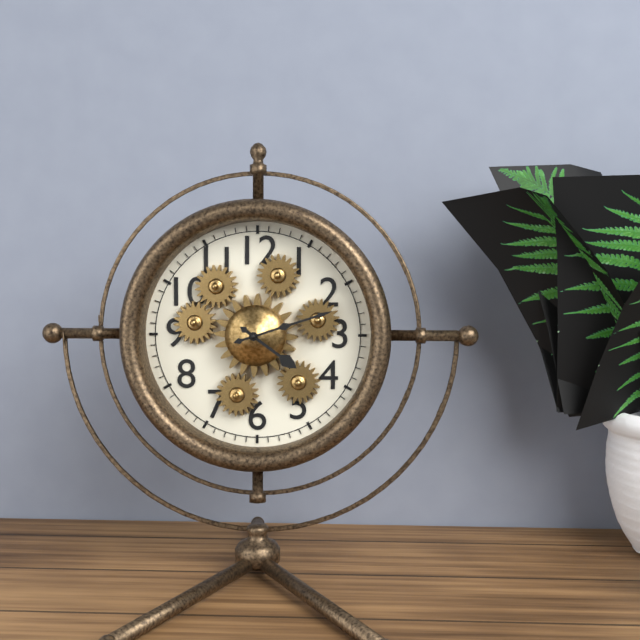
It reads 4.12
